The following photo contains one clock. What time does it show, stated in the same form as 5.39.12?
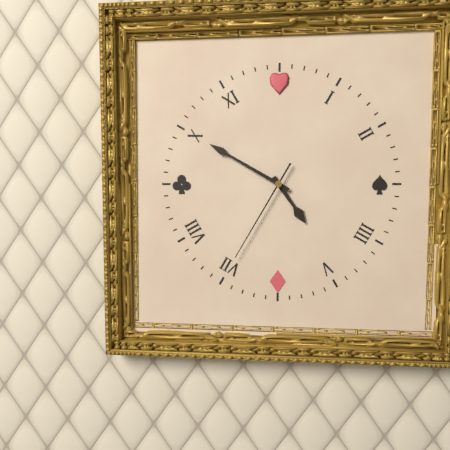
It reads 4.50.35
